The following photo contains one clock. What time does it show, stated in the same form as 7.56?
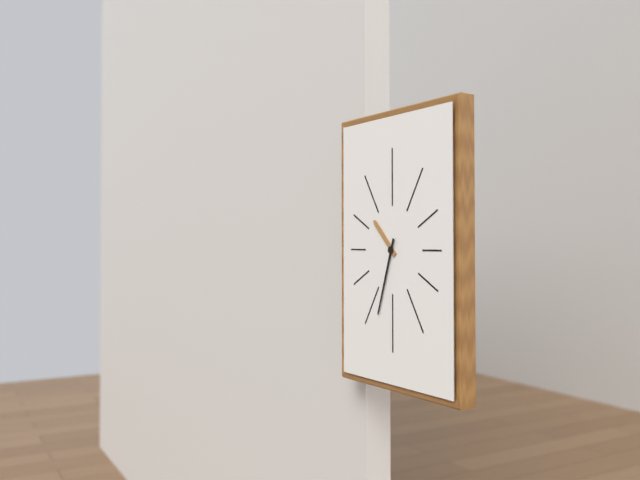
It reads 10.33
